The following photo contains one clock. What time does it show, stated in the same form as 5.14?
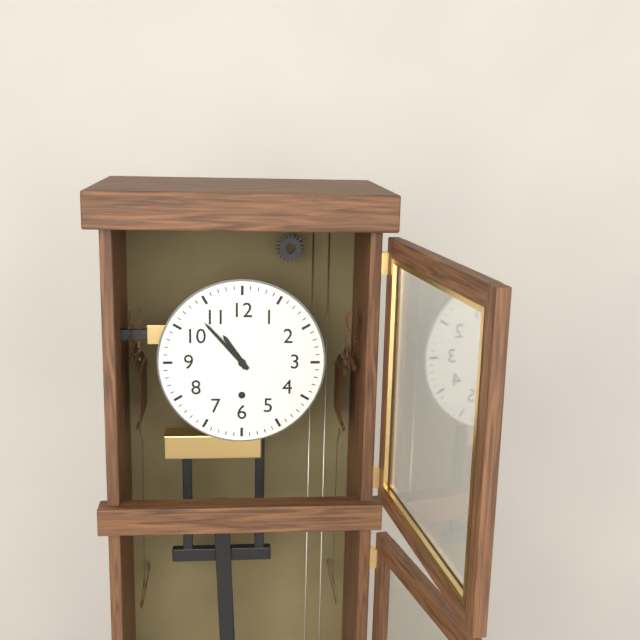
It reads 10.53
